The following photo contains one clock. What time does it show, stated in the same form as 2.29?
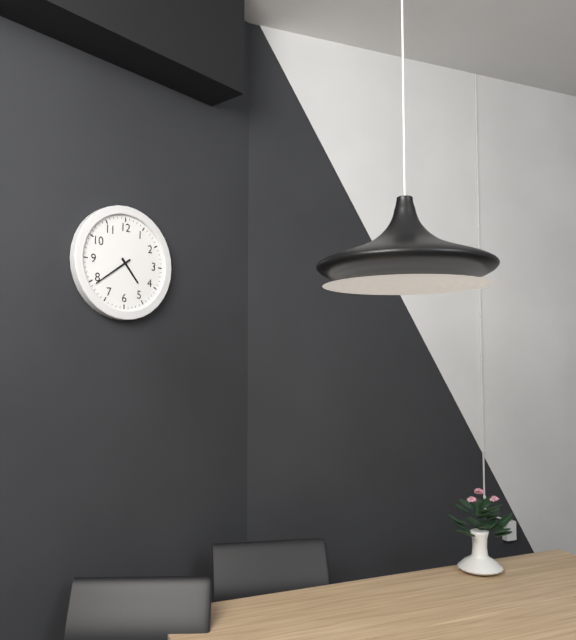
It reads 4.39
